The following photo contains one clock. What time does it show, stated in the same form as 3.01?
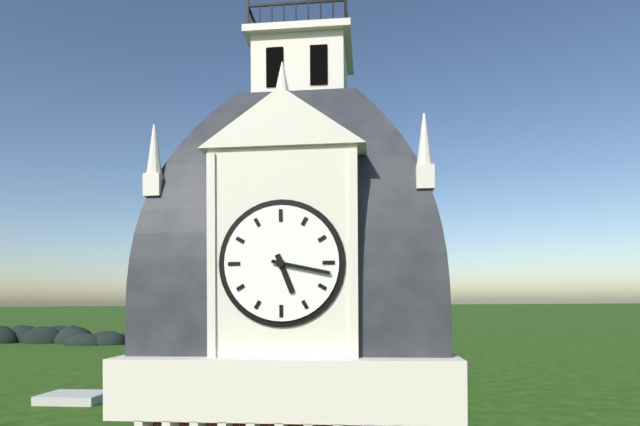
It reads 5.17
